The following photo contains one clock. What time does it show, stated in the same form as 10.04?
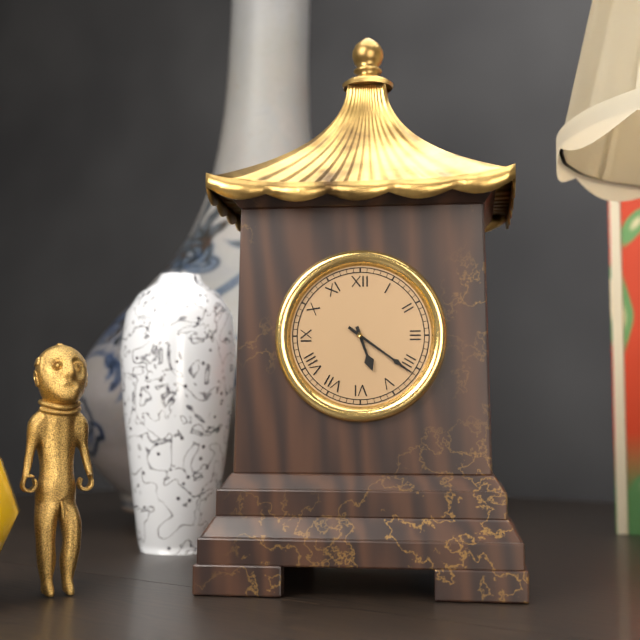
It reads 5.21
